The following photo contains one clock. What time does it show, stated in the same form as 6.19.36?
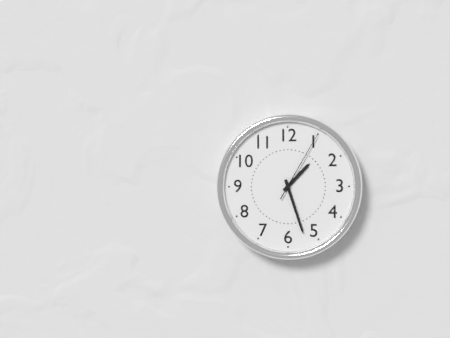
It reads 1.27.05
